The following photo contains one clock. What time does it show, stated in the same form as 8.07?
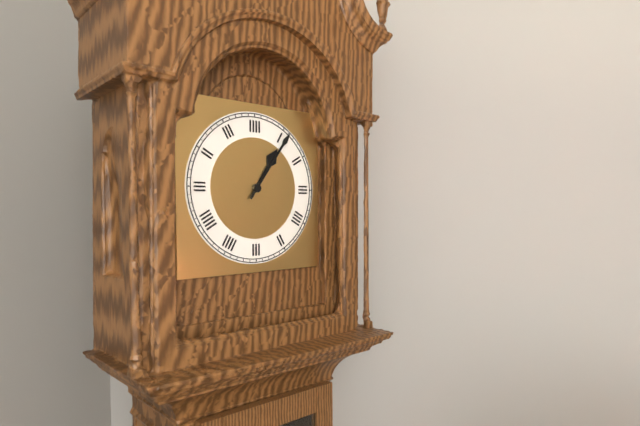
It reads 1.06
